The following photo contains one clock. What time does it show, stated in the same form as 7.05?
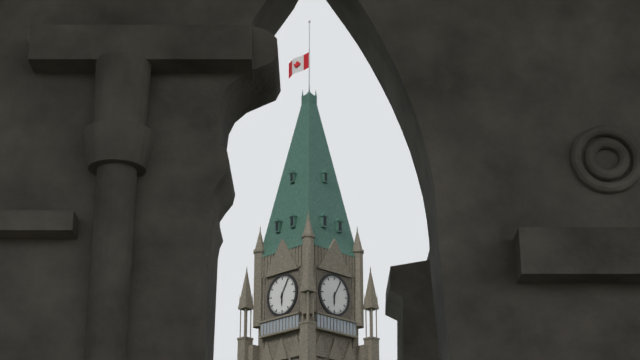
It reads 6.05
